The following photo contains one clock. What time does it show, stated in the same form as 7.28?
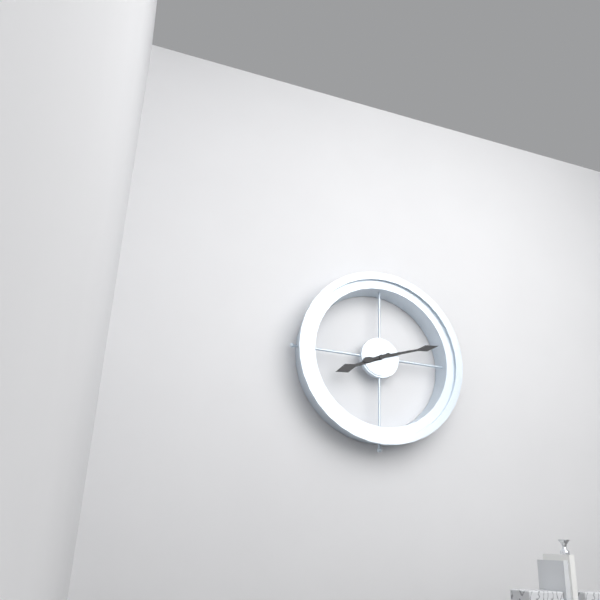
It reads 8.12
